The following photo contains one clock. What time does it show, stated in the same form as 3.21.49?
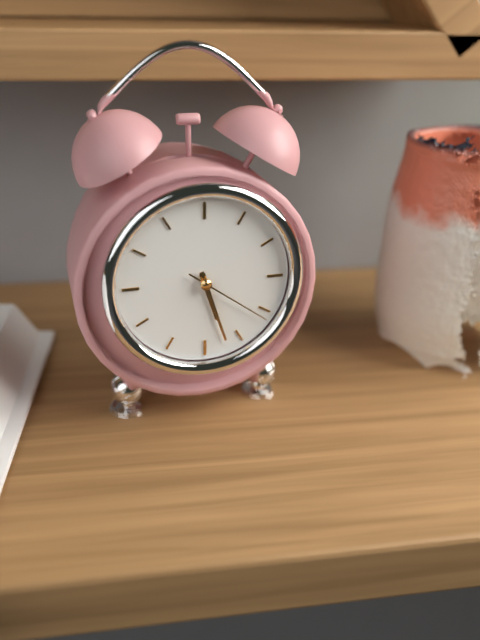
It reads 5.27.21
